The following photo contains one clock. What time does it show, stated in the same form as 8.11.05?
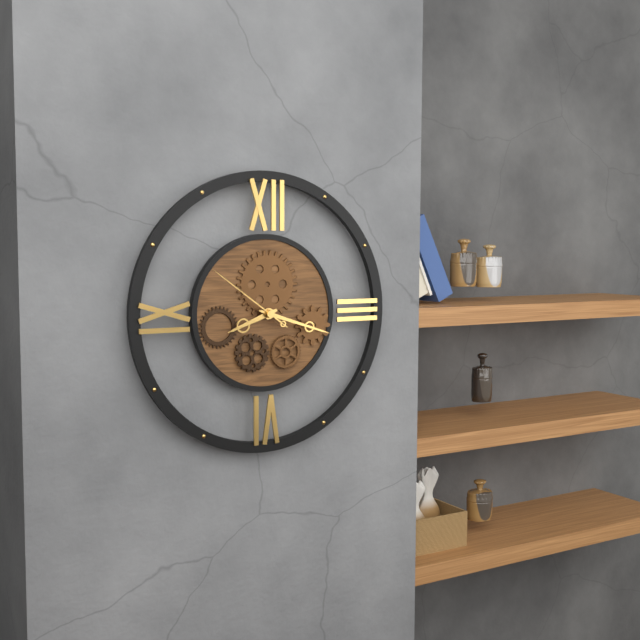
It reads 8.18.51
